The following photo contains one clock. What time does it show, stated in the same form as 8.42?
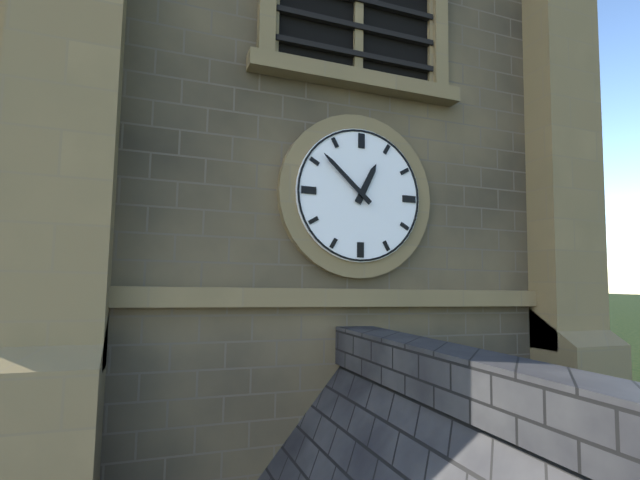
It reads 12.52
